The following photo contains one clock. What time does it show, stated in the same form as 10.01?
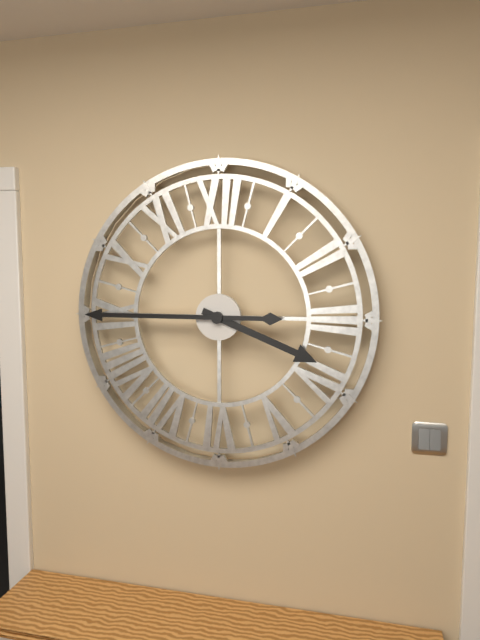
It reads 3.45
